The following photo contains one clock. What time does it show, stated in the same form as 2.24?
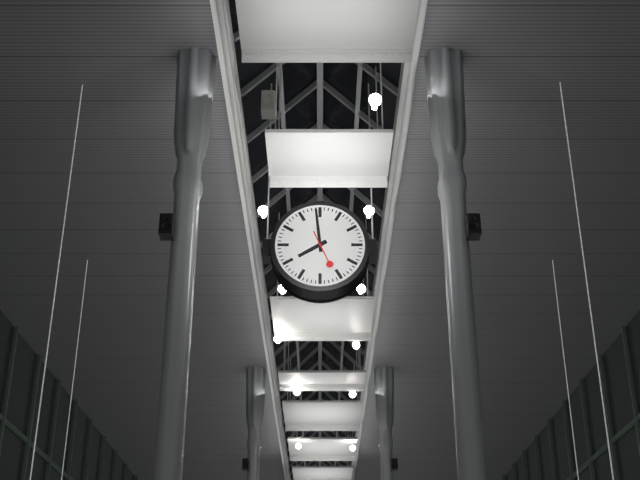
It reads 7.59
